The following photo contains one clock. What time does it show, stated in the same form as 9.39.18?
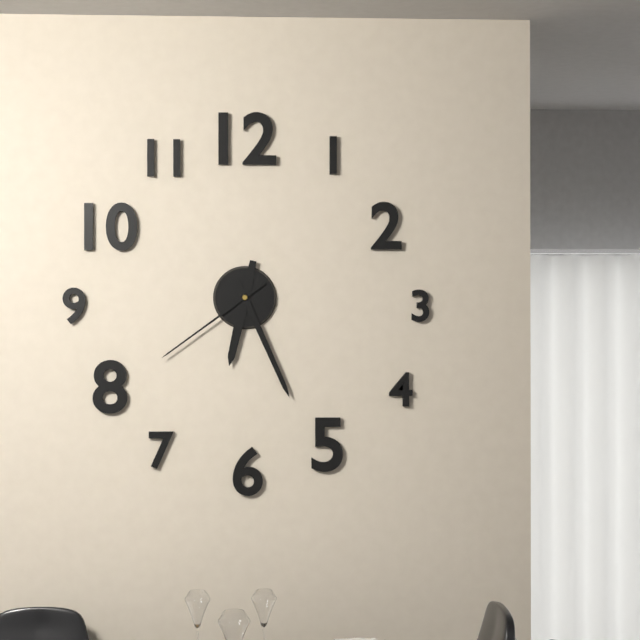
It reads 6.26.39
